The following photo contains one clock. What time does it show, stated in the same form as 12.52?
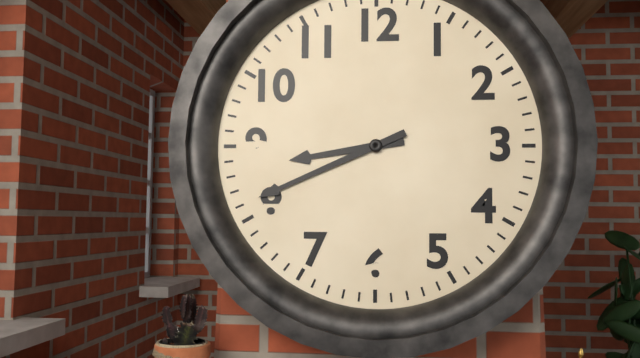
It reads 8.41
